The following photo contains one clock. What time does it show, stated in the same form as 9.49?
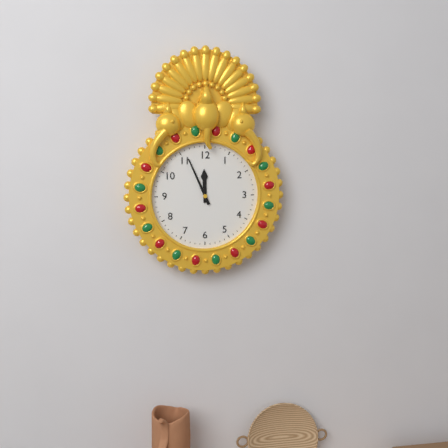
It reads 11.56
